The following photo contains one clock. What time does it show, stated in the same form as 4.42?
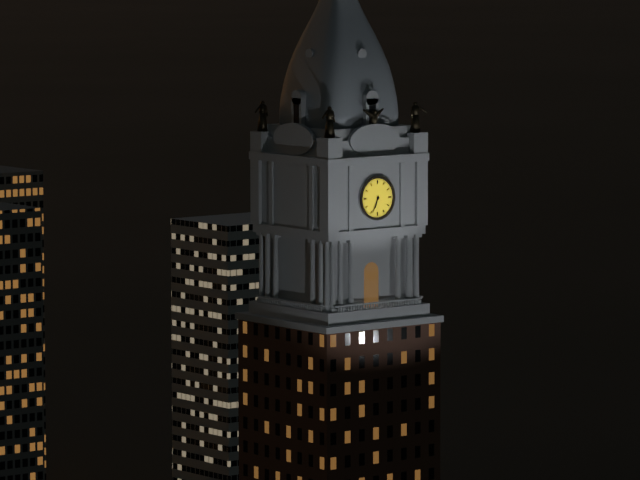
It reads 6.34
